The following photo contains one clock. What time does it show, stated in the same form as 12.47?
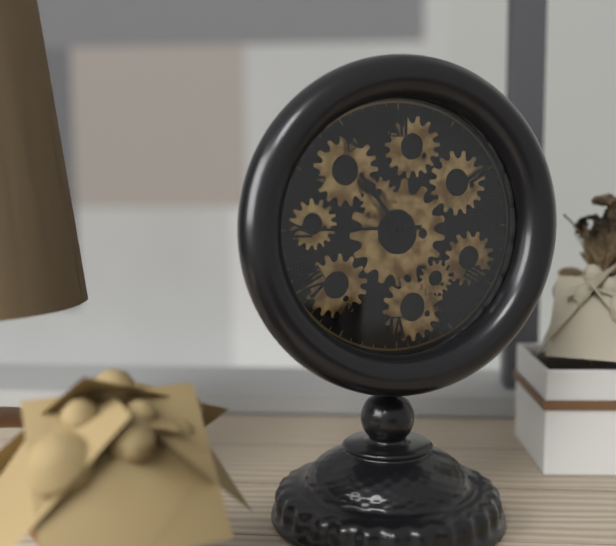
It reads 10.45
